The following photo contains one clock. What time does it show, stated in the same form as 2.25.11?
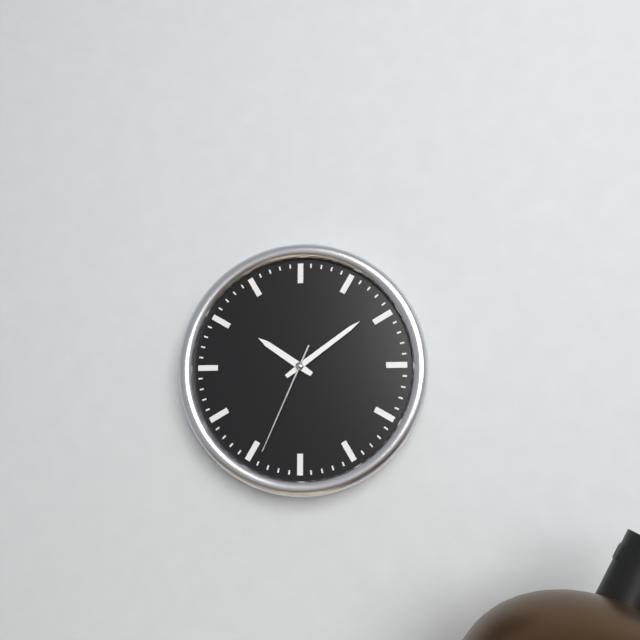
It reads 10.09.34
